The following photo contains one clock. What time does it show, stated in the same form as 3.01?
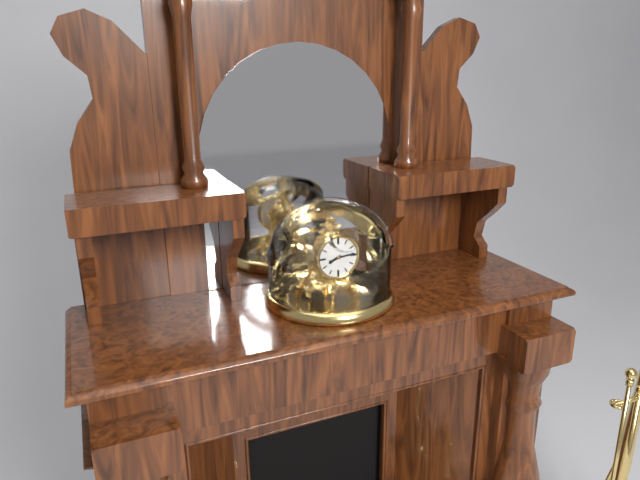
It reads 8.14
